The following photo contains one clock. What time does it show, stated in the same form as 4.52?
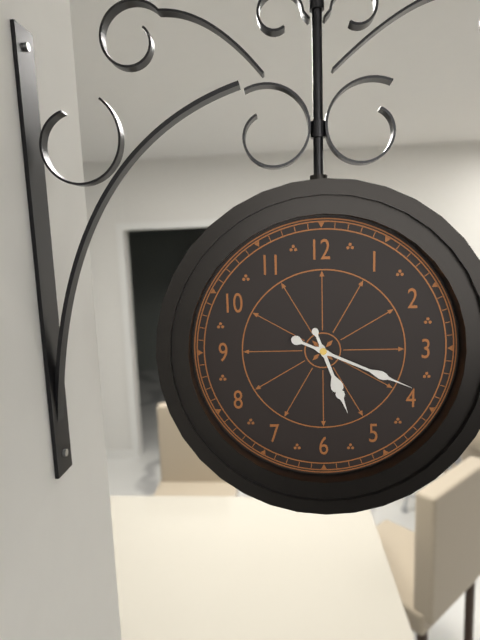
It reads 5.19
